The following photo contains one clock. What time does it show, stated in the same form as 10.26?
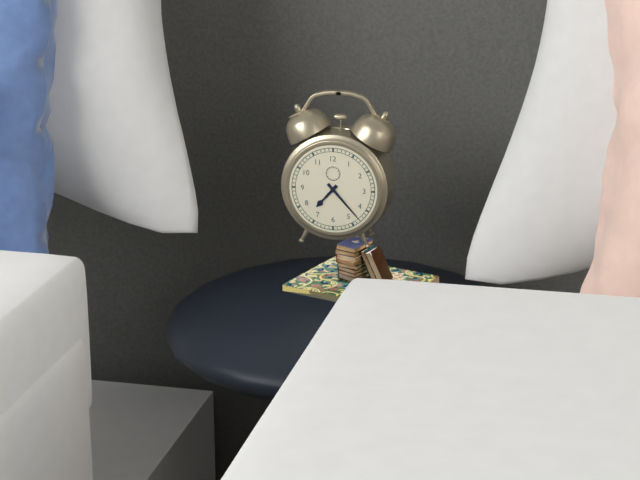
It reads 7.23
